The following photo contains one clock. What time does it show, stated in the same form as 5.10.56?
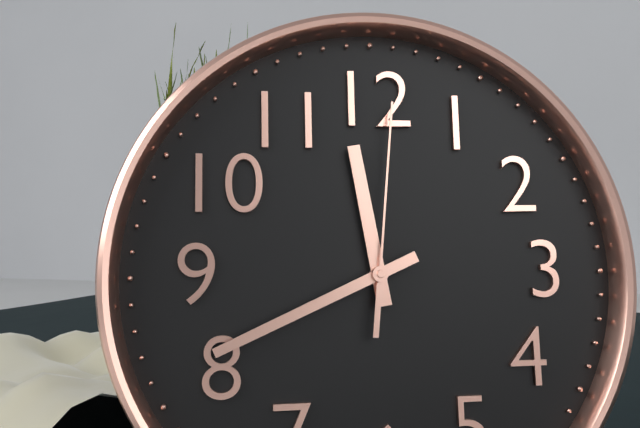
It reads 11.41.01
